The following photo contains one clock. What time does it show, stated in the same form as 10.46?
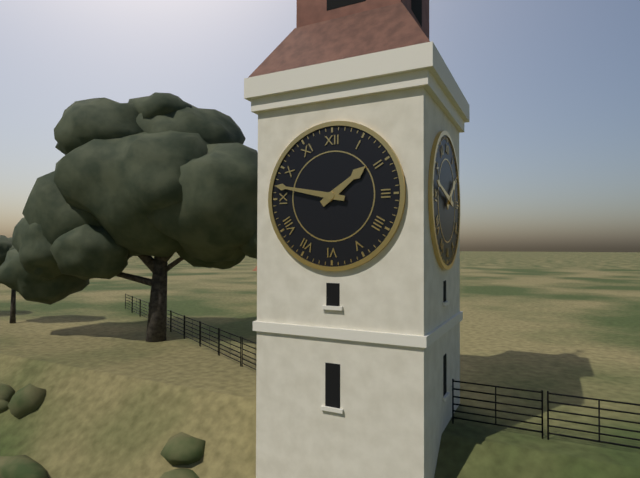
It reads 1.47
